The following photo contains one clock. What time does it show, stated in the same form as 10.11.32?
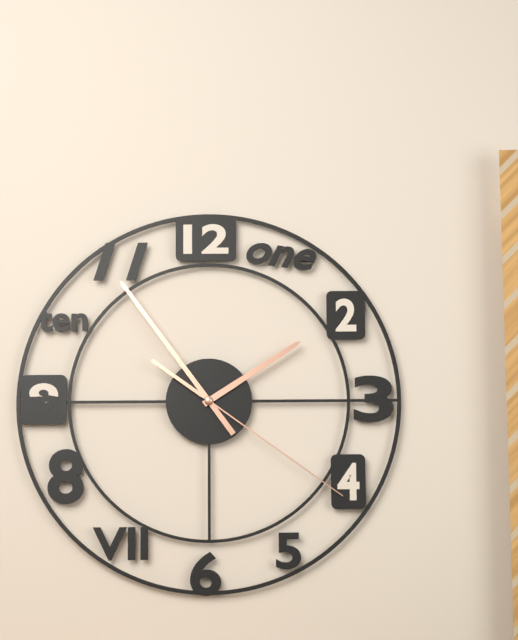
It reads 1.54.21
